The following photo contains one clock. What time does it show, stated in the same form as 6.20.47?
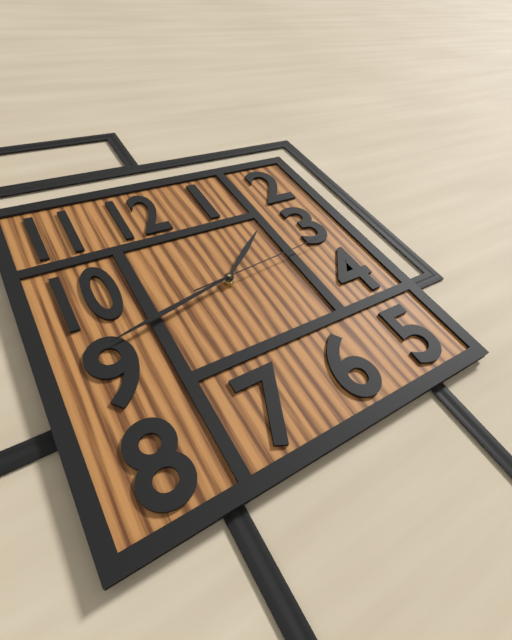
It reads 1.43.14
